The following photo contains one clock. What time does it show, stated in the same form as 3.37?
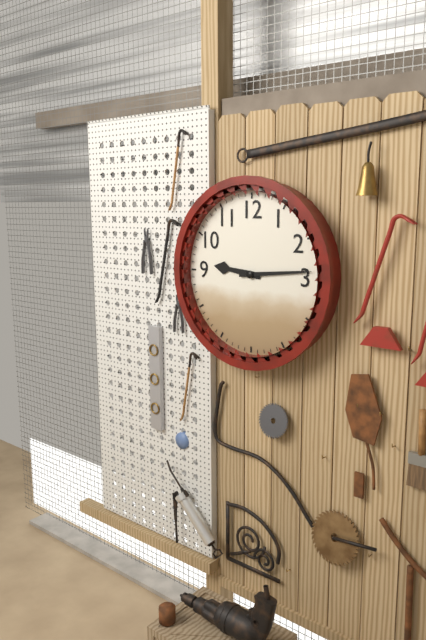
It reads 9.14
